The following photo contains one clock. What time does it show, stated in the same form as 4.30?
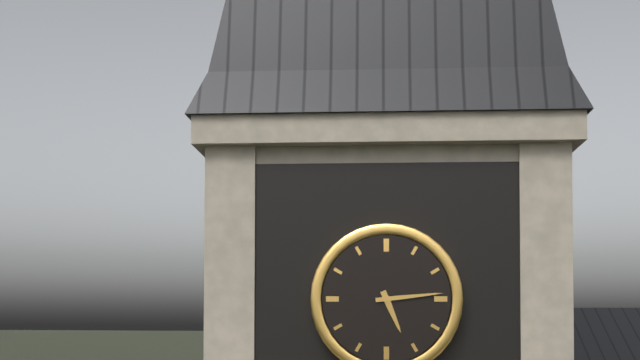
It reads 5.14
